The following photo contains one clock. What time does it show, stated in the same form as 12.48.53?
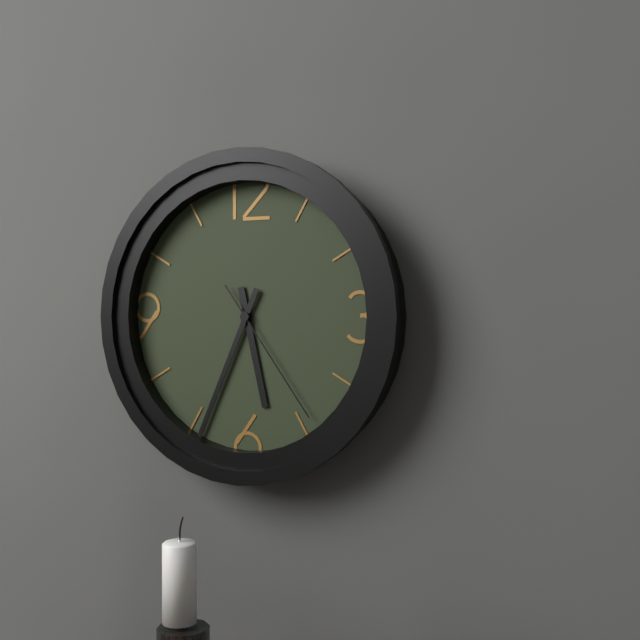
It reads 5.34.24
